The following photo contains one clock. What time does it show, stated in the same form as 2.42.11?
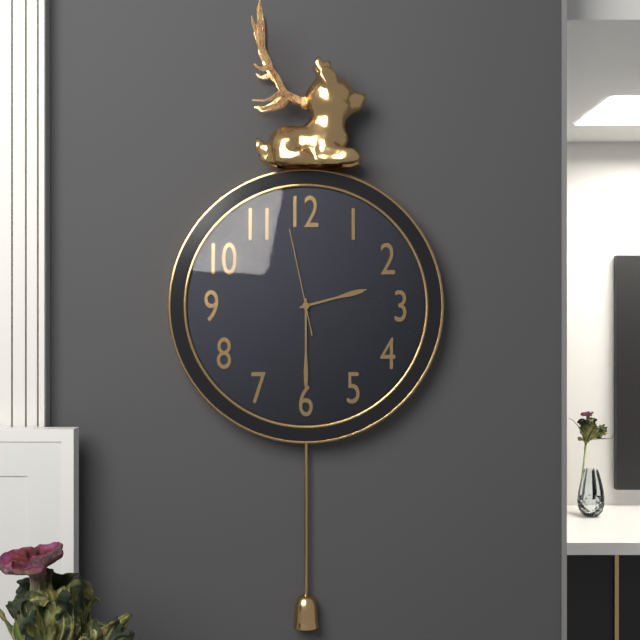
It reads 2.30.58
